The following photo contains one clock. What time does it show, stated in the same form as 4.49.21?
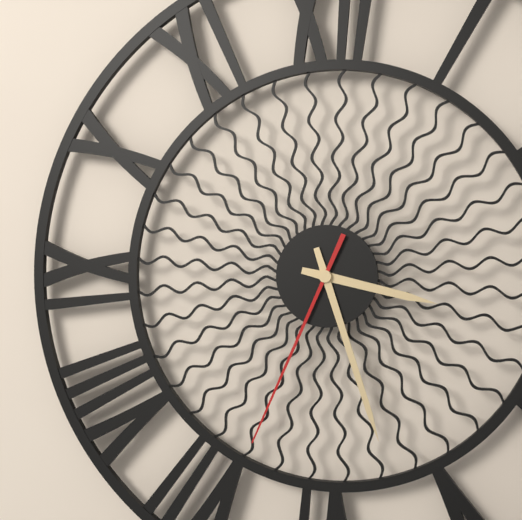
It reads 3.27.34
